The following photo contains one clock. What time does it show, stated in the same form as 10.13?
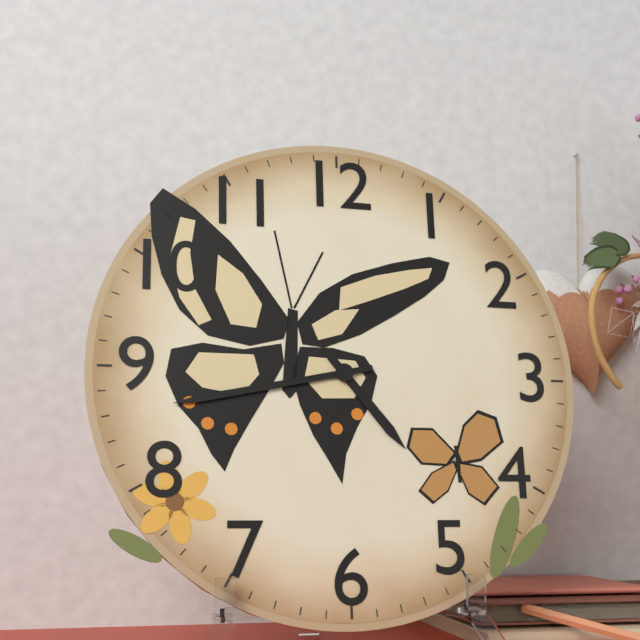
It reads 4.43
